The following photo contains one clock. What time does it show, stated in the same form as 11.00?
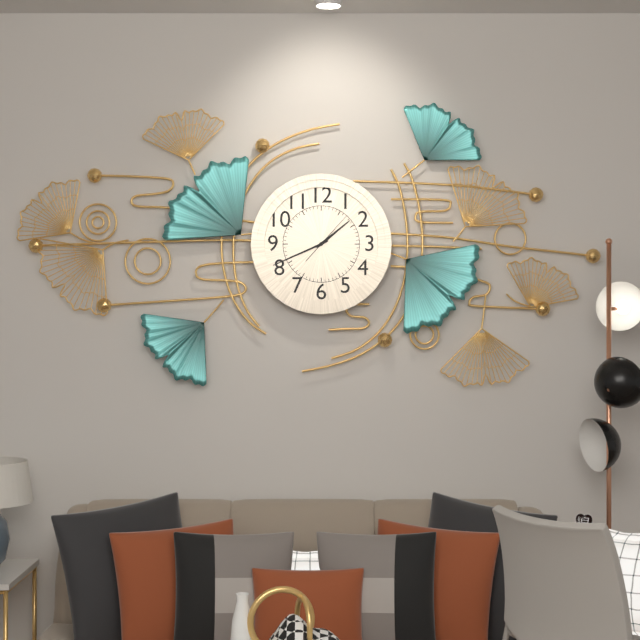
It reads 1.41
